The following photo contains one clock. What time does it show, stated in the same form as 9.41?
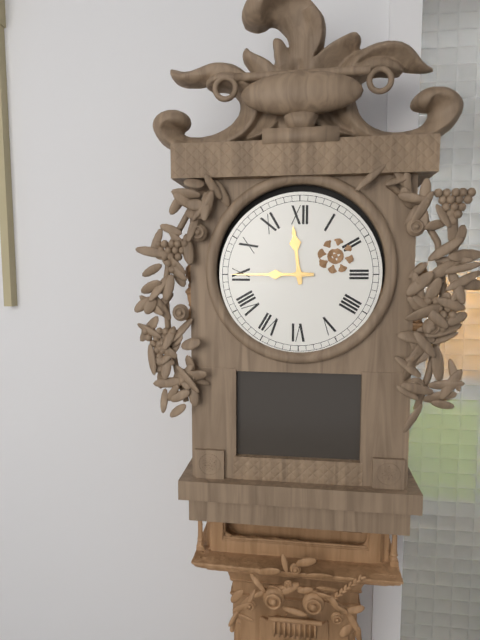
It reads 11.45
